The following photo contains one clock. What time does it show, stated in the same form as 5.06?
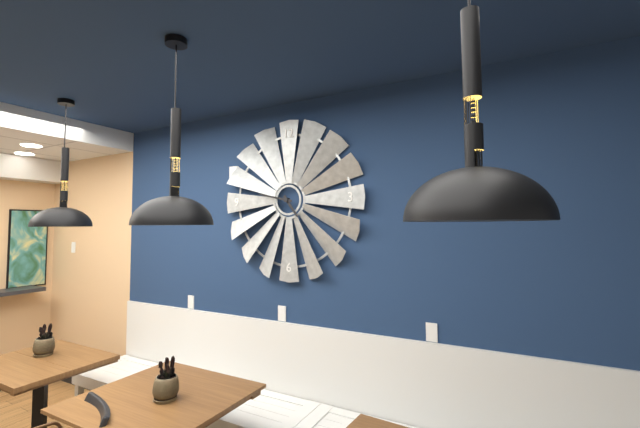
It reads 4.47
